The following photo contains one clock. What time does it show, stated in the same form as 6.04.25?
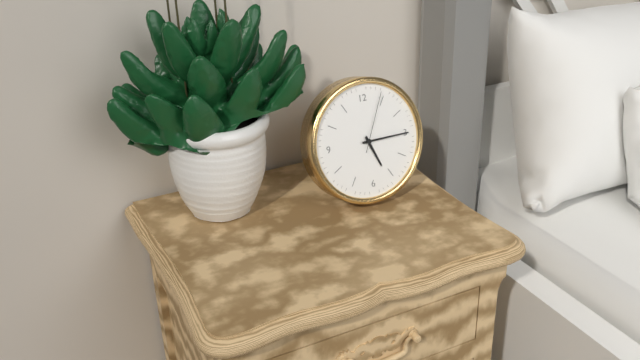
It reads 5.15.04
